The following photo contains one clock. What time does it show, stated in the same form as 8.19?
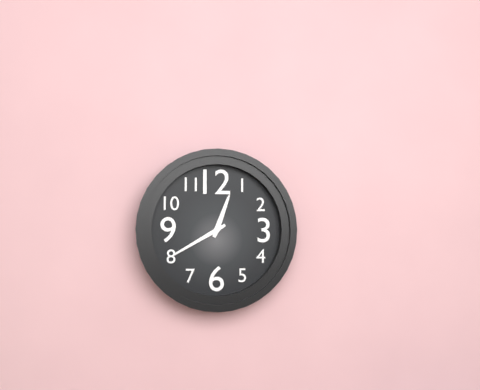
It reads 12.40
